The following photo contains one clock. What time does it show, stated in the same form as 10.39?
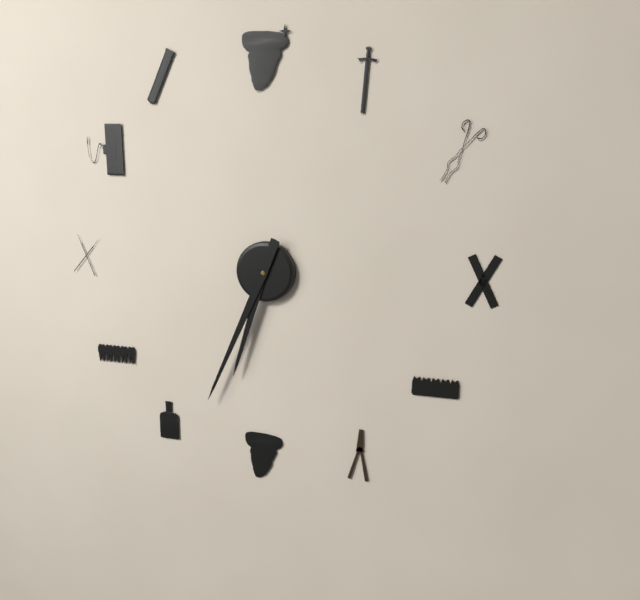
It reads 6.34
